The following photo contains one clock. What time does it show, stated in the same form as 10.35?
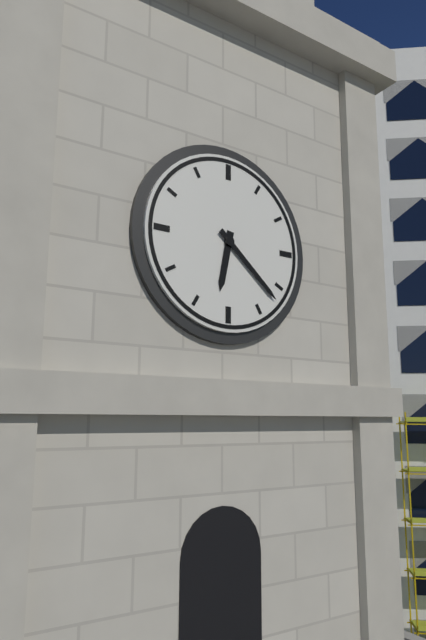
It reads 6.22
